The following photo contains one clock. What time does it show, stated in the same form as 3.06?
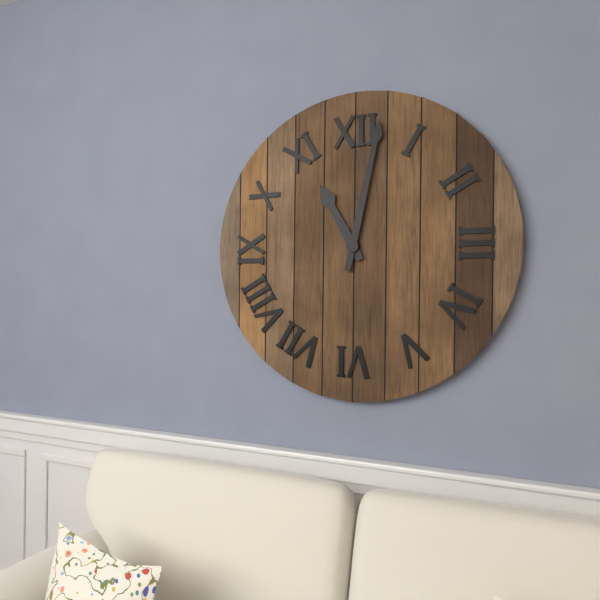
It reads 11.02
